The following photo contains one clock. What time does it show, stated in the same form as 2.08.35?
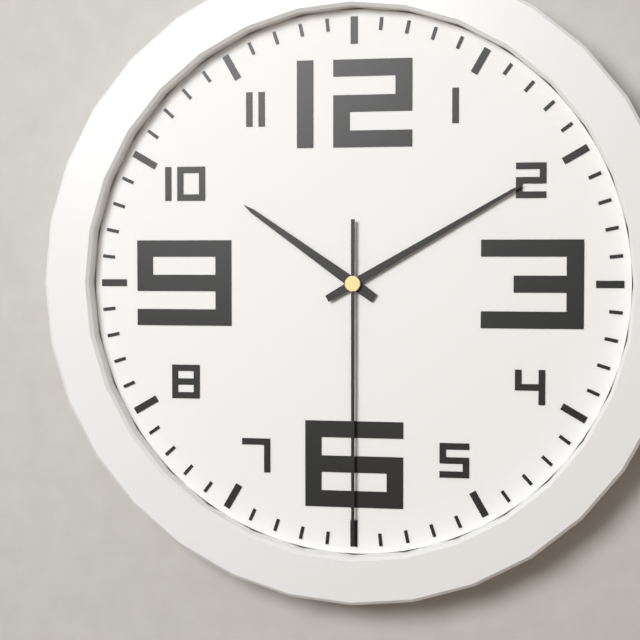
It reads 10.10.30
